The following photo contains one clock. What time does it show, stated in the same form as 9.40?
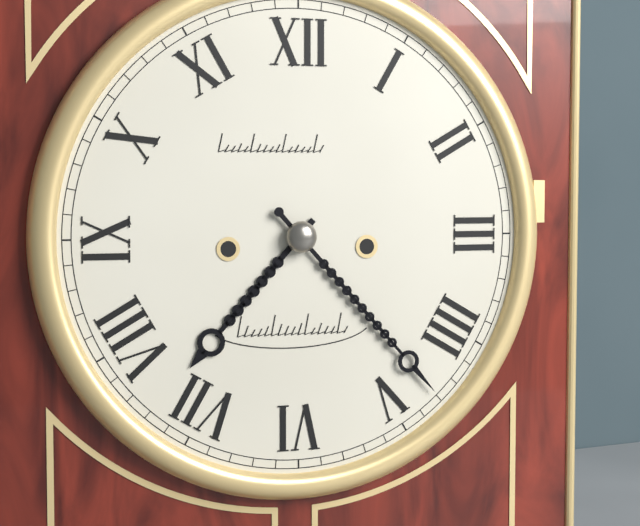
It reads 7.23
